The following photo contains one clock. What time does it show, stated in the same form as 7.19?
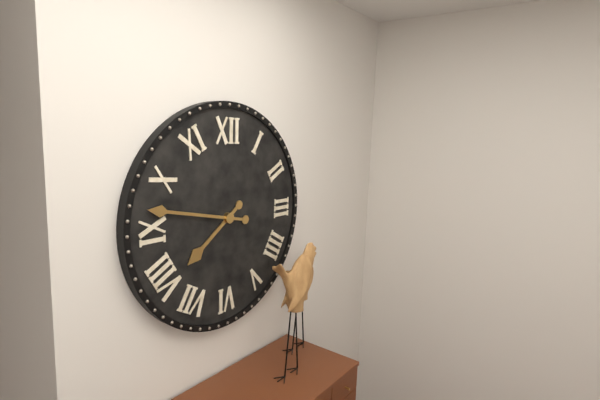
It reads 7.47
